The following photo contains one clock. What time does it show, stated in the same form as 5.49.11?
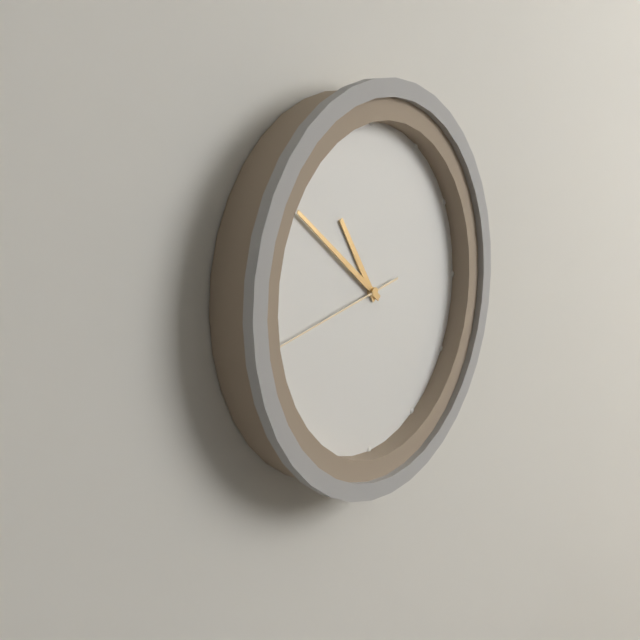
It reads 10.51.43
